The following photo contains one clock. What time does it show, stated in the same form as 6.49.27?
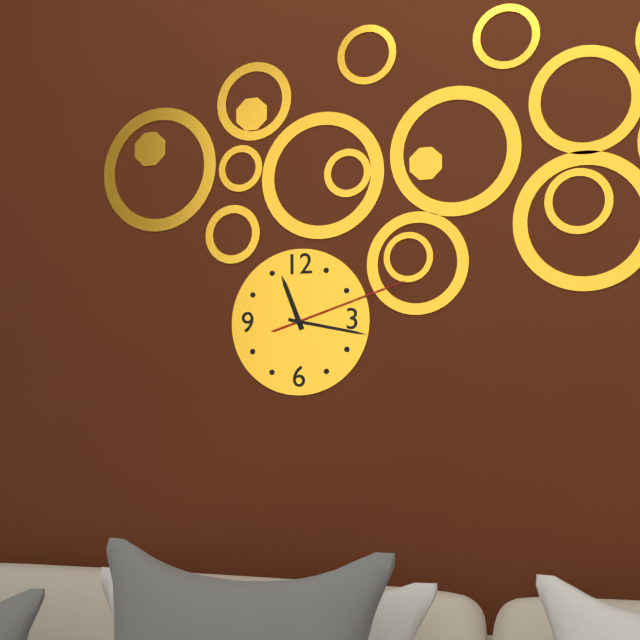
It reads 11.17.12
